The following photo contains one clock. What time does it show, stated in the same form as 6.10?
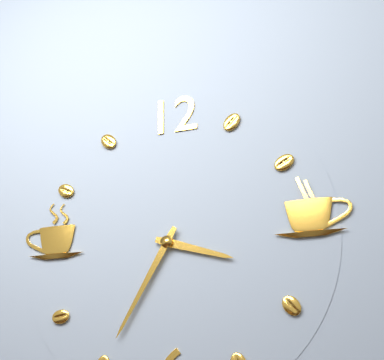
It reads 3.35
